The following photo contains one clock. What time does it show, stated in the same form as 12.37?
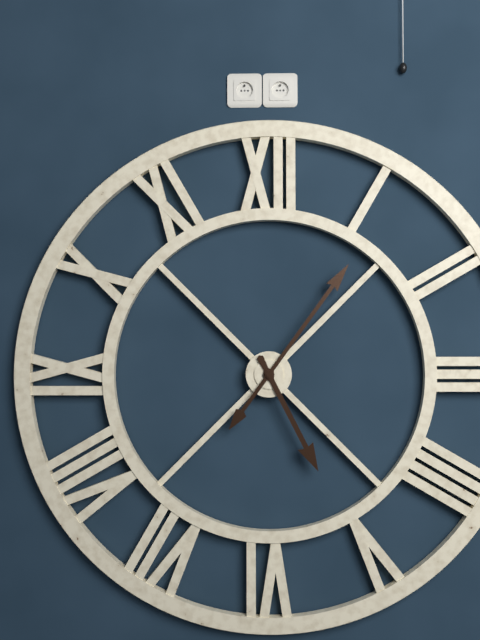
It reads 5.06
